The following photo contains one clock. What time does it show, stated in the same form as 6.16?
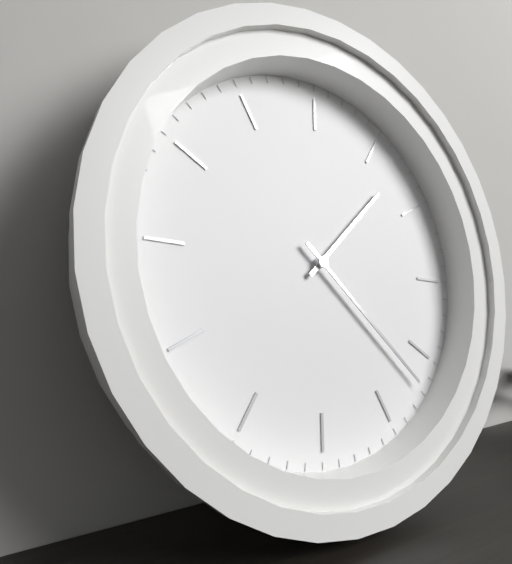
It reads 2.27
